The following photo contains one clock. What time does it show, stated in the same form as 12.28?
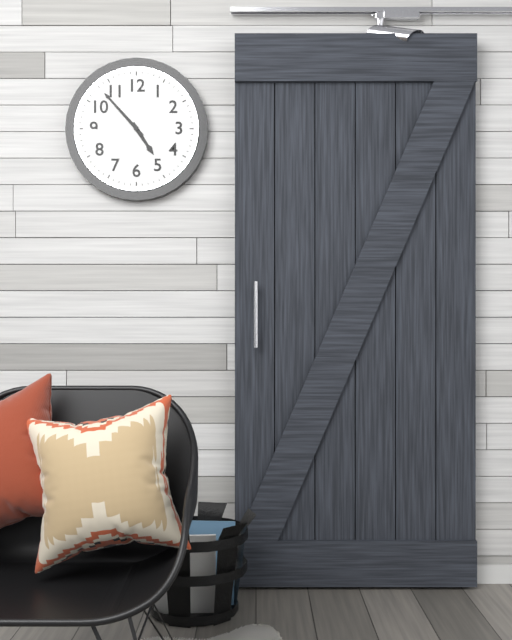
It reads 4.53
